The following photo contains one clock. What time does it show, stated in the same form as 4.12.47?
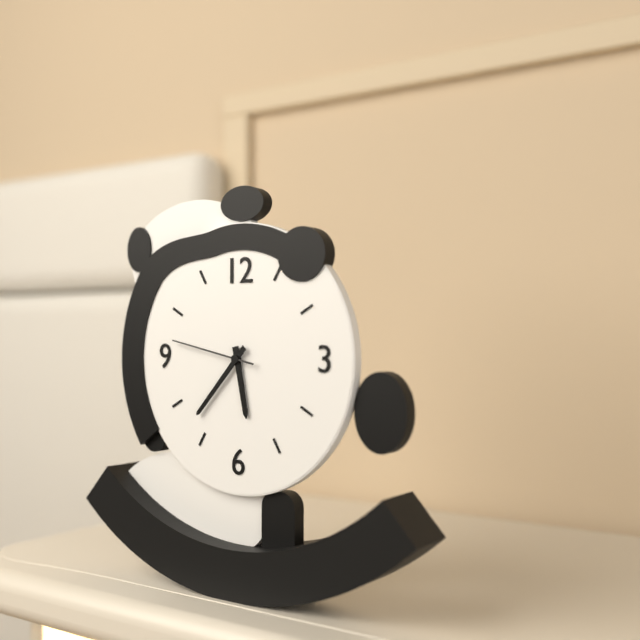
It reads 5.37.47
